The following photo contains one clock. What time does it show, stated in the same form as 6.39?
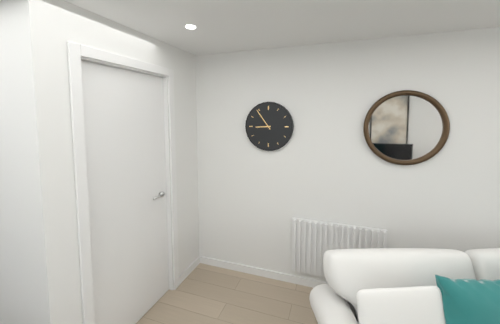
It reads 8.54
